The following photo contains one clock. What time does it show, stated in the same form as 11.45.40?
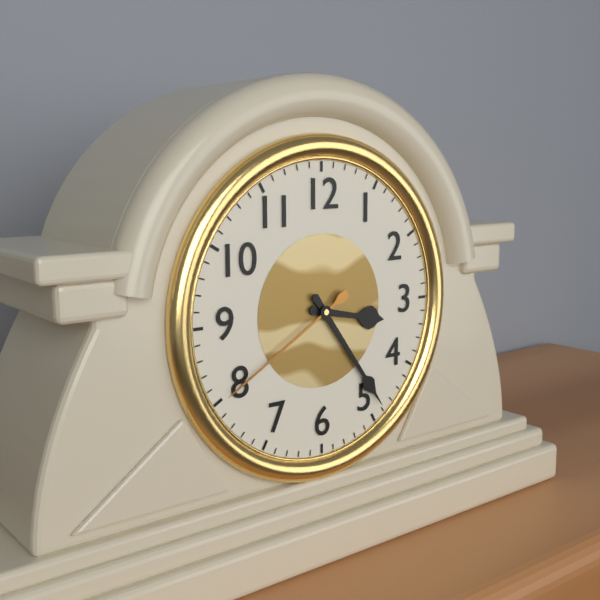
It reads 3.24.40
